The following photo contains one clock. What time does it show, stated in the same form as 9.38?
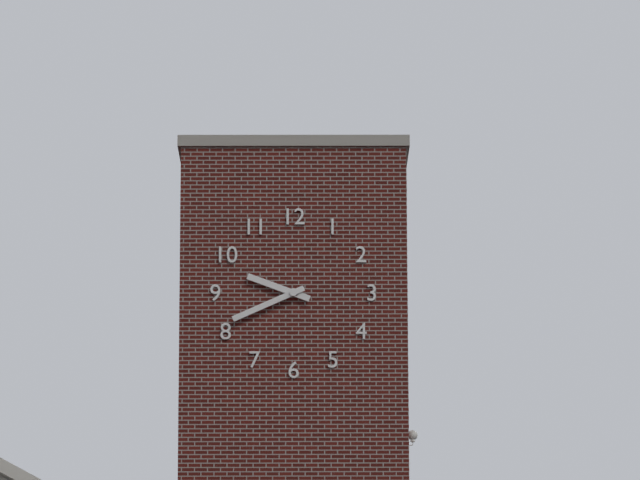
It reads 9.41
